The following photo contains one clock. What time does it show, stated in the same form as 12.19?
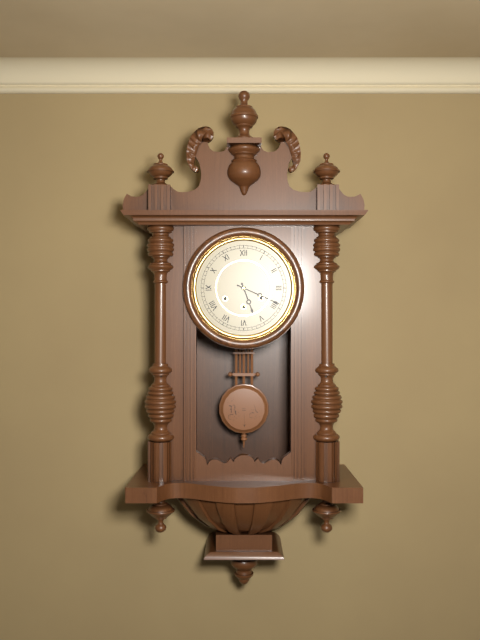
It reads 5.19
